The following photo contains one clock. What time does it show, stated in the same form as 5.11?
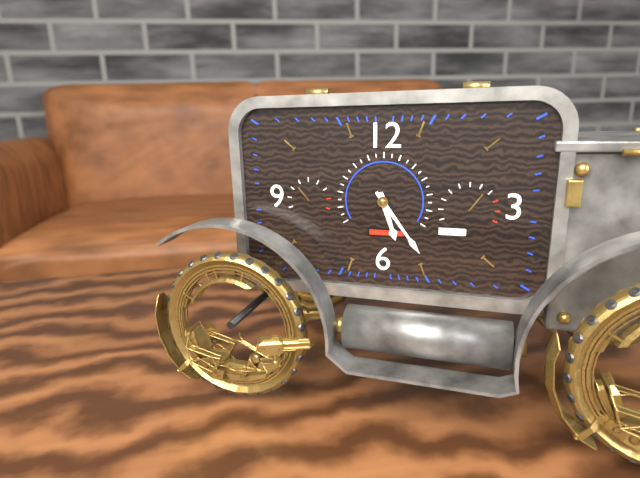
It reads 5.24
